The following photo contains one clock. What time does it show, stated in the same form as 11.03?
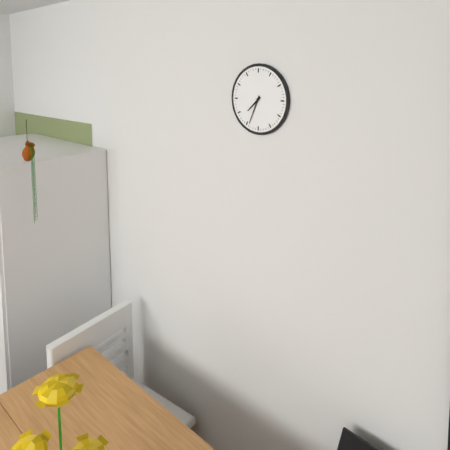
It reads 7.34
